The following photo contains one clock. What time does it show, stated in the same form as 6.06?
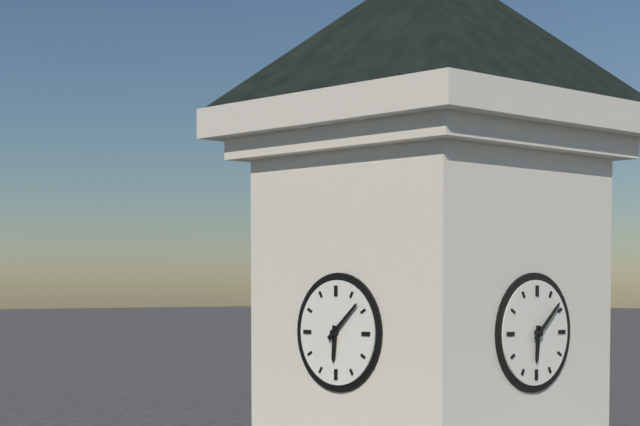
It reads 6.08
